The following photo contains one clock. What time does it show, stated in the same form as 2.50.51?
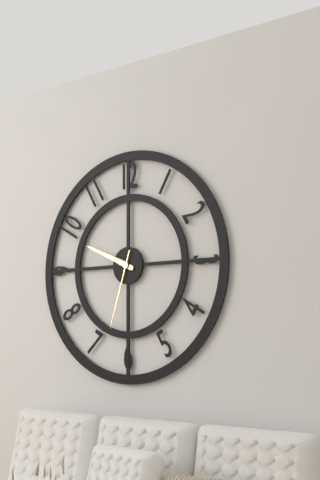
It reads 9.49.33
